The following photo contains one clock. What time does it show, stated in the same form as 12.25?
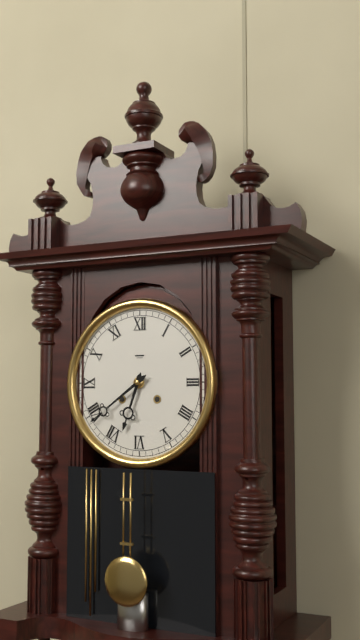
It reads 6.39
